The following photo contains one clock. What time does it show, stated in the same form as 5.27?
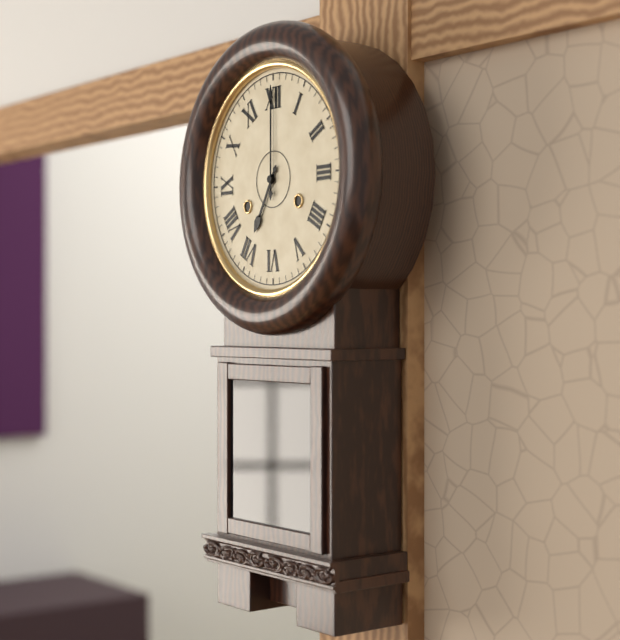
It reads 7.00
